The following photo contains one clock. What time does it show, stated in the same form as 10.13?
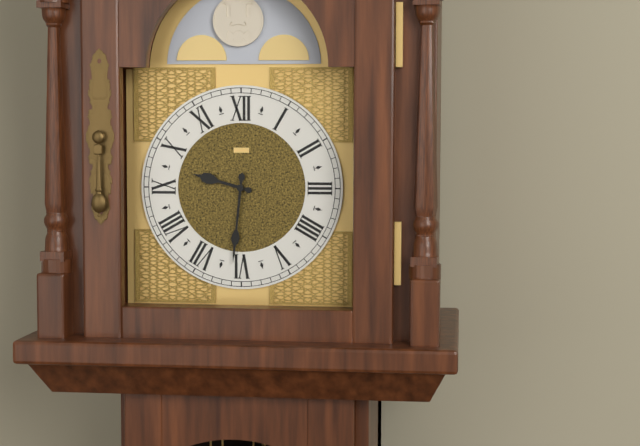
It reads 9.31
